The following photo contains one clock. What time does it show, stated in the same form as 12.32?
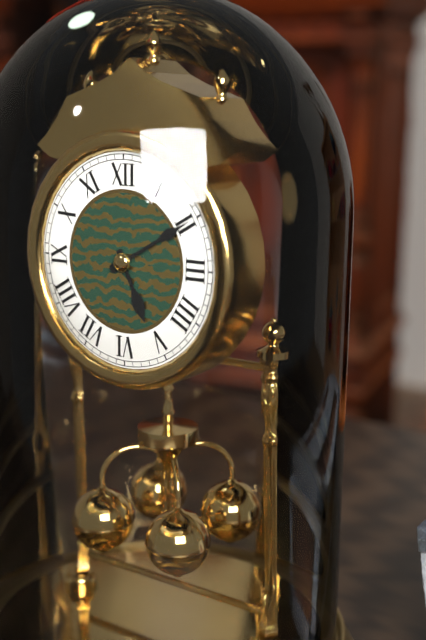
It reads 5.10
